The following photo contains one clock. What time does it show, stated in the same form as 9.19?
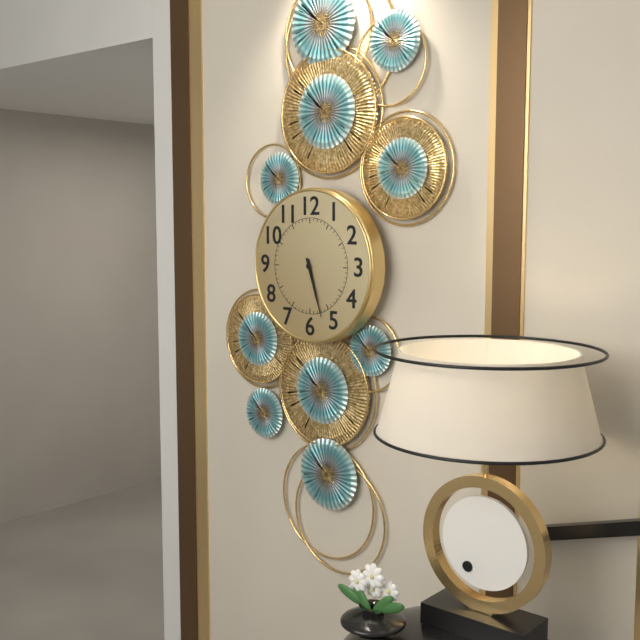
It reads 5.27
